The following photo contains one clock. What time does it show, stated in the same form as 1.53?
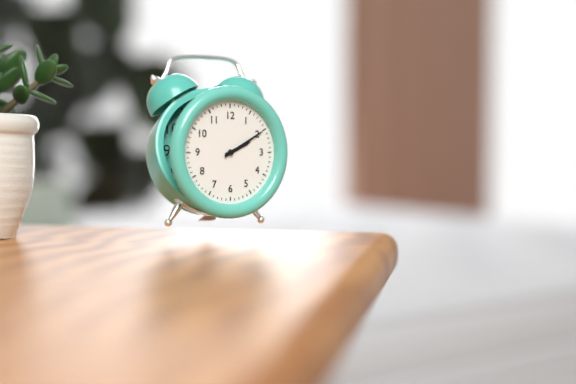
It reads 2.10
